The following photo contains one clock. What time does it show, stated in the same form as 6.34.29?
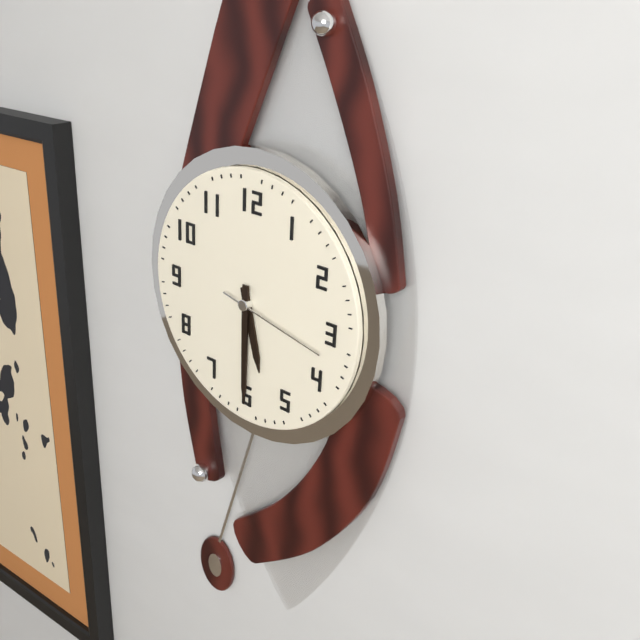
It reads 5.30.17
